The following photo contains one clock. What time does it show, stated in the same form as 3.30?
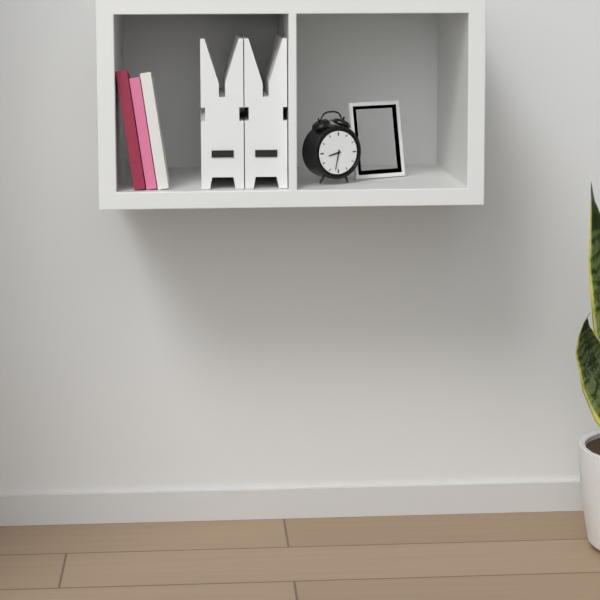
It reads 8.32
